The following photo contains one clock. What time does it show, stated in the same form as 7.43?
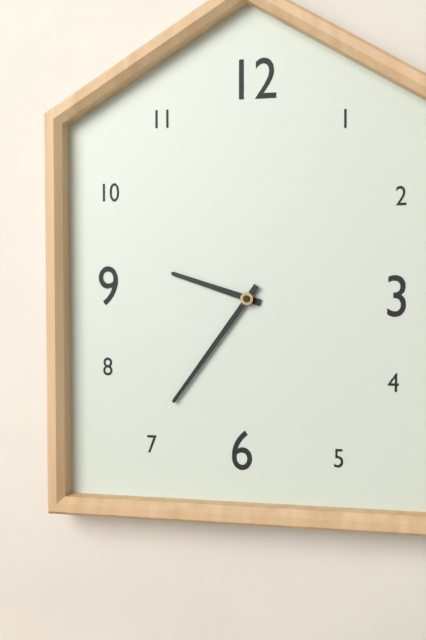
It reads 9.36
